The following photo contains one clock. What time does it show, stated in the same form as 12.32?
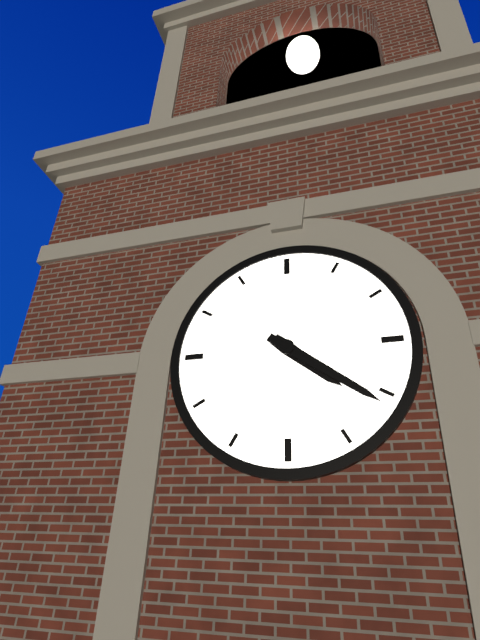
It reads 4.21
